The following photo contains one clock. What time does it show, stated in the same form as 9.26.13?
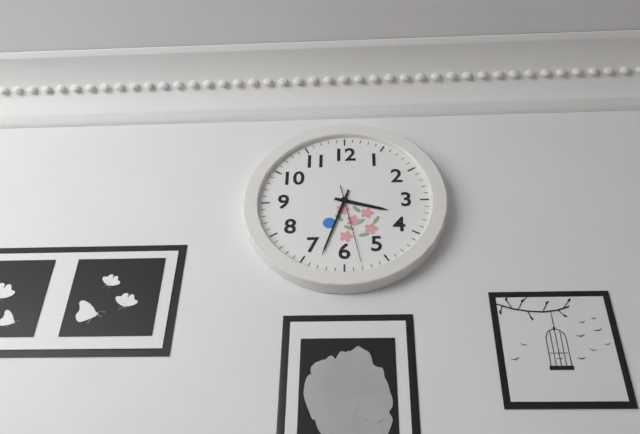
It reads 3.33.28
